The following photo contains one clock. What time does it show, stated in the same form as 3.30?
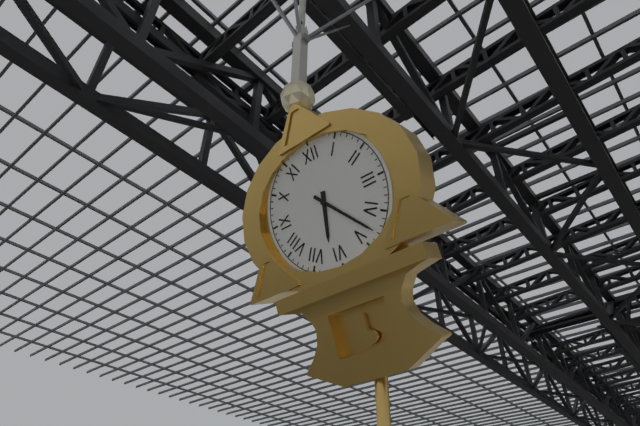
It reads 6.23
